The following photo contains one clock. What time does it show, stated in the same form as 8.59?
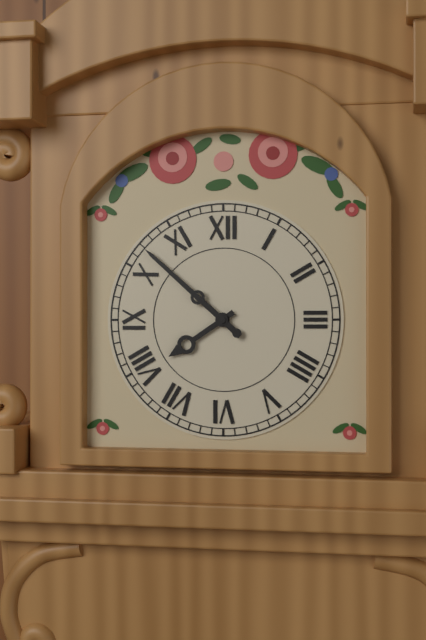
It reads 7.52
